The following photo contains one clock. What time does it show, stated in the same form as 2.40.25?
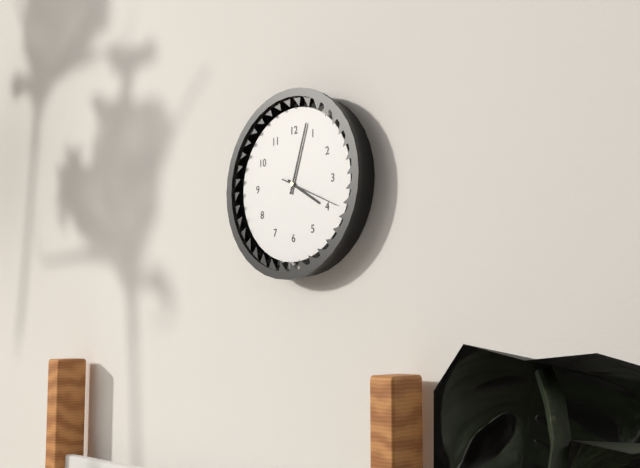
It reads 4.03.19
